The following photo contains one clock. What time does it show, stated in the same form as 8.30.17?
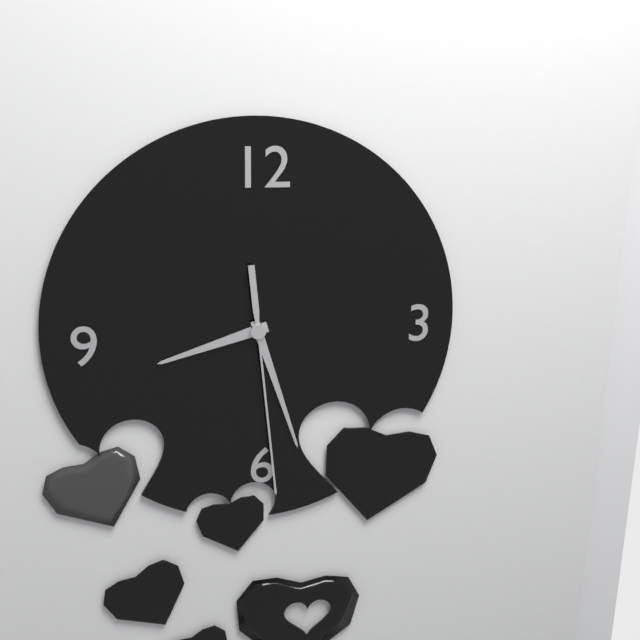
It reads 8.27.29
